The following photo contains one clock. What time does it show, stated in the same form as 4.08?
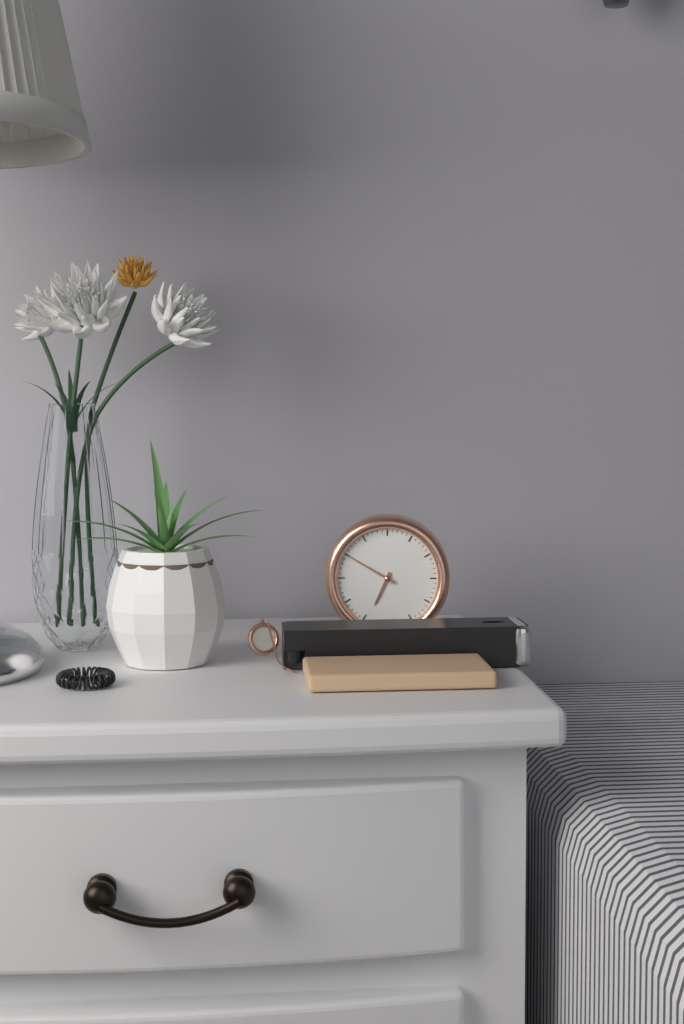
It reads 6.50
